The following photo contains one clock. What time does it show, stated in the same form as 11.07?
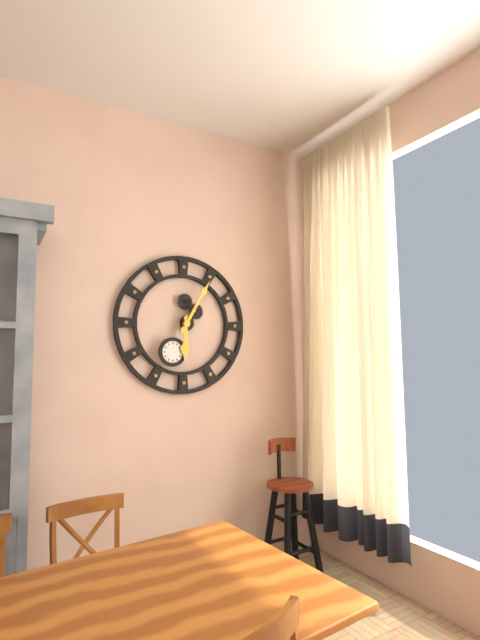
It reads 6.05
